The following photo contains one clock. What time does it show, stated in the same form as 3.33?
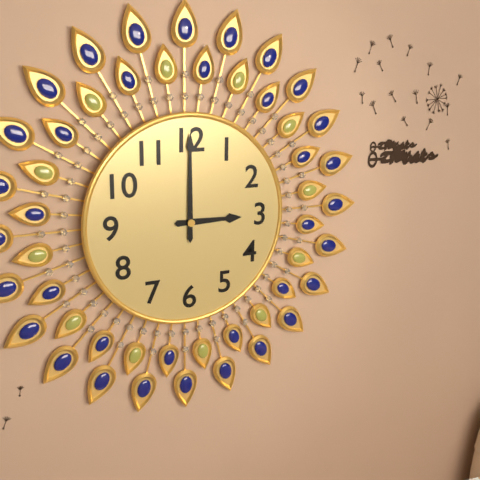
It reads 3.00
